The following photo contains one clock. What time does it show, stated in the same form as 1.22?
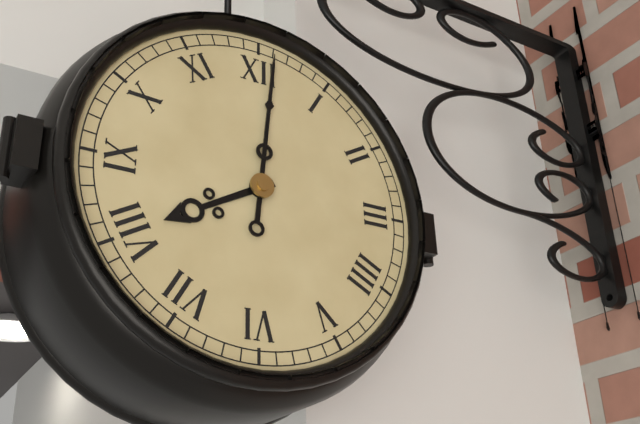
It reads 8.01
